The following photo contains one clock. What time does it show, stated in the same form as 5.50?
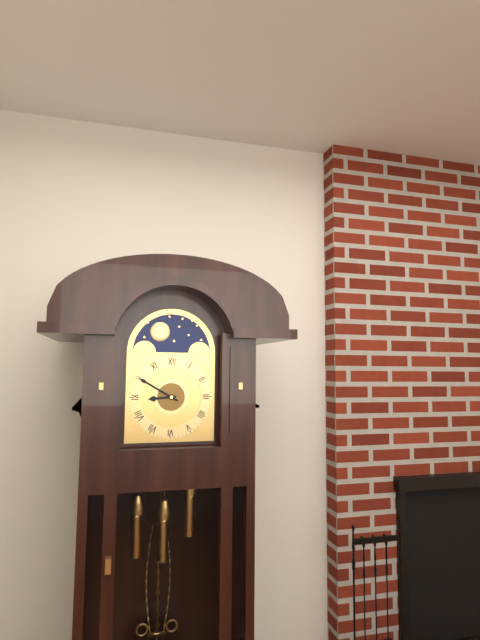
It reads 8.50
